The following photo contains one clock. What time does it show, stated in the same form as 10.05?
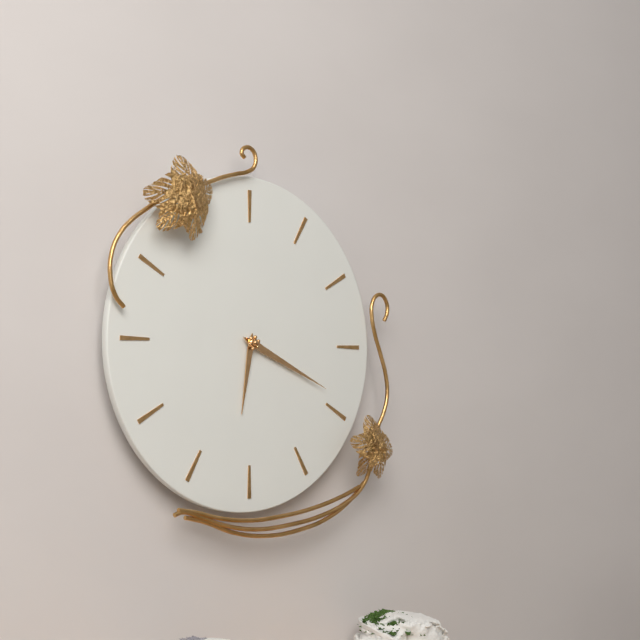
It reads 6.19
